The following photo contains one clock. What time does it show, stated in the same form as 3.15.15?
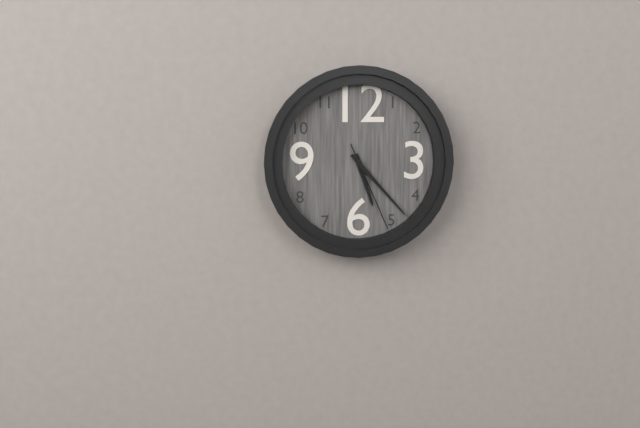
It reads 5.23.26
